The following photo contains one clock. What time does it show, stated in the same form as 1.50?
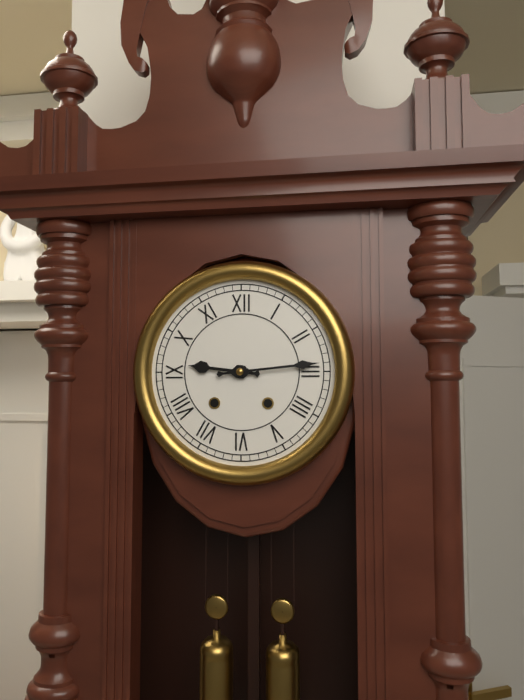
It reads 9.14
